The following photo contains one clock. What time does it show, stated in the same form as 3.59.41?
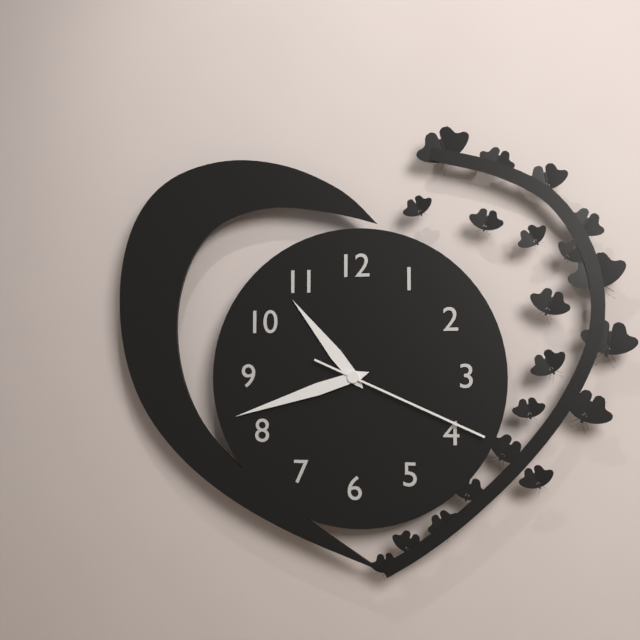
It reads 10.42.19
